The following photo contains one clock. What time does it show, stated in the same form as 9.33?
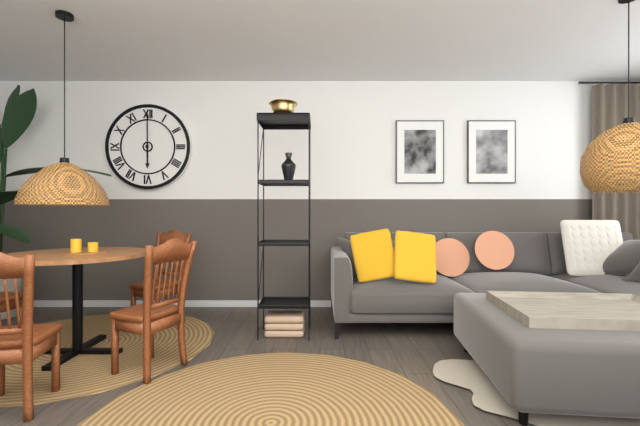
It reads 6.00
